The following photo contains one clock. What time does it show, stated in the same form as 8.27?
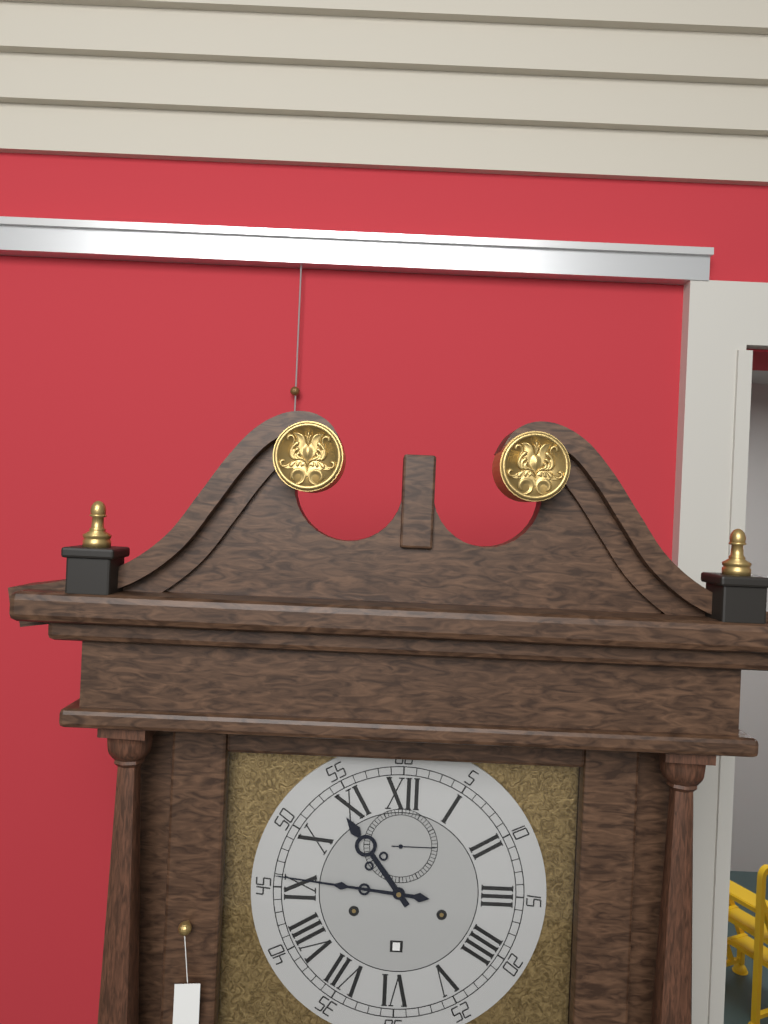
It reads 10.46
